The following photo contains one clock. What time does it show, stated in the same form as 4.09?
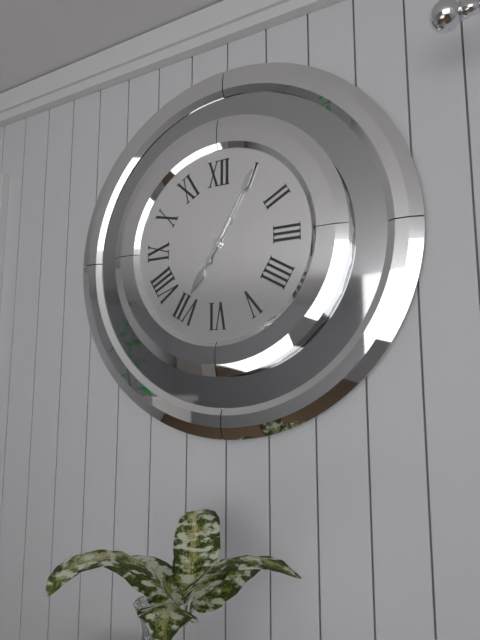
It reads 7.05
